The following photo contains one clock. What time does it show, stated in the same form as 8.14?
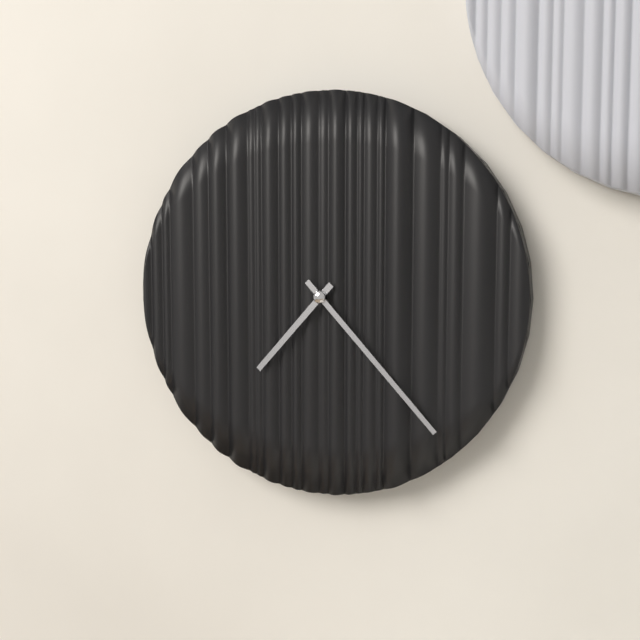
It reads 7.23
